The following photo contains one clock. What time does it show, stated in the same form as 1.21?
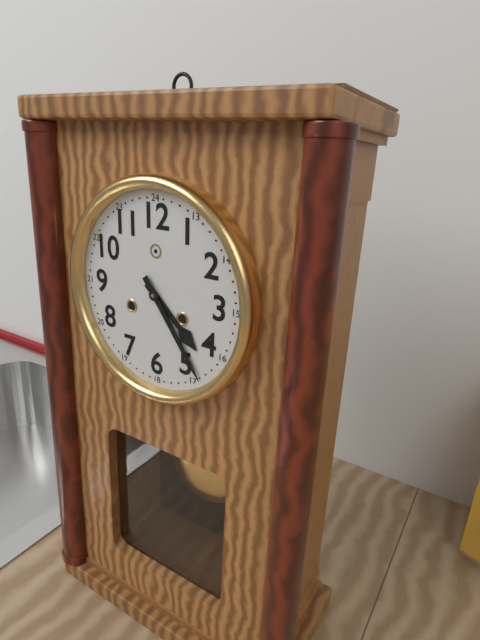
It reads 4.24
